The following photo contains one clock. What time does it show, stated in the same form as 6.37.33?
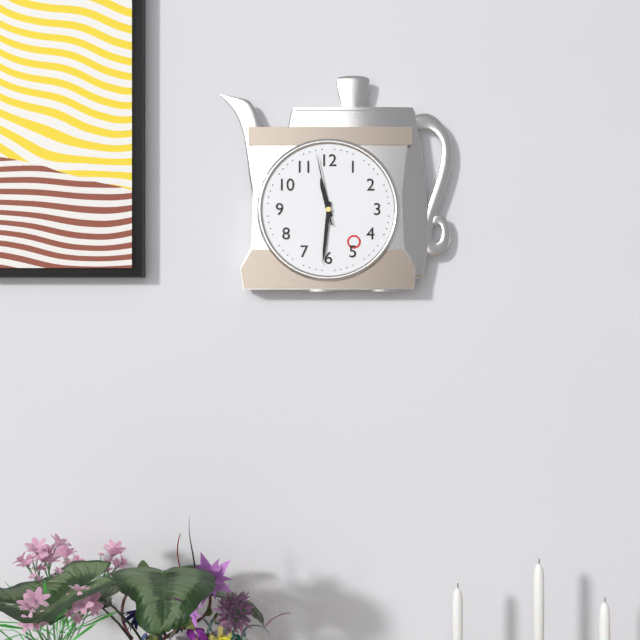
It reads 11.31.58
